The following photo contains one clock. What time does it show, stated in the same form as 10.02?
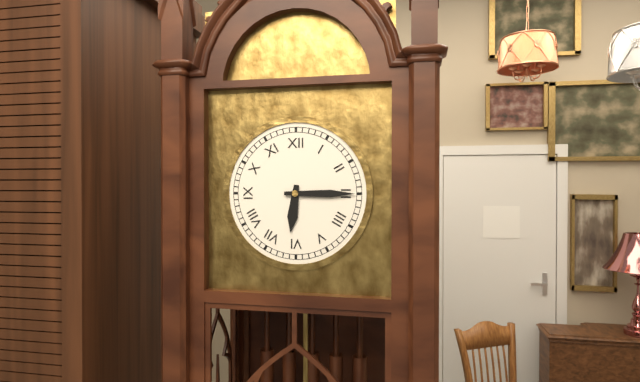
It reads 6.15
